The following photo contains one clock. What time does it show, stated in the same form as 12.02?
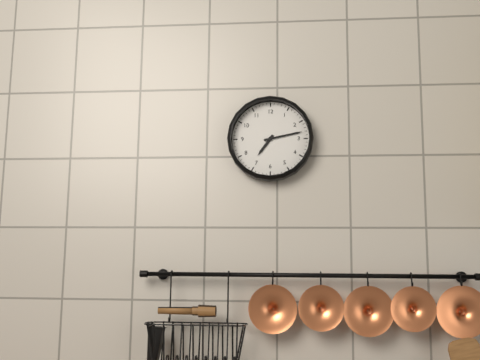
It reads 7.13
